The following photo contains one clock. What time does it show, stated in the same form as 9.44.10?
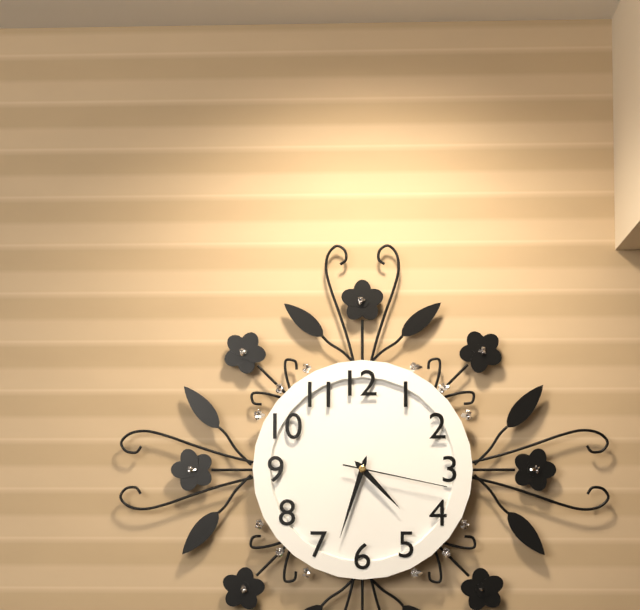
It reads 4.33.17
